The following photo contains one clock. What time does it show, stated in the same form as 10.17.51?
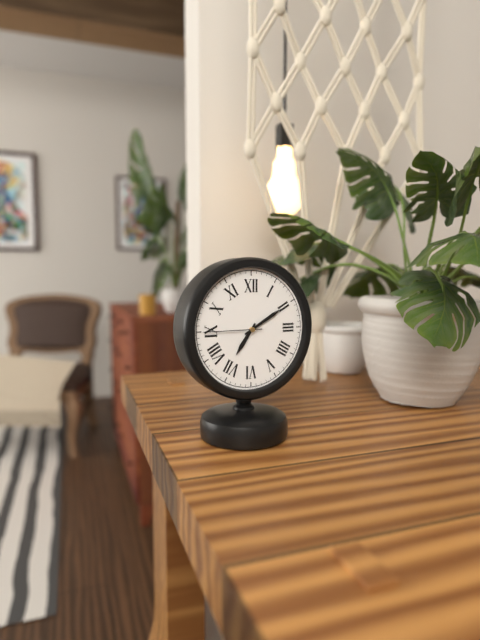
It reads 7.10.45
